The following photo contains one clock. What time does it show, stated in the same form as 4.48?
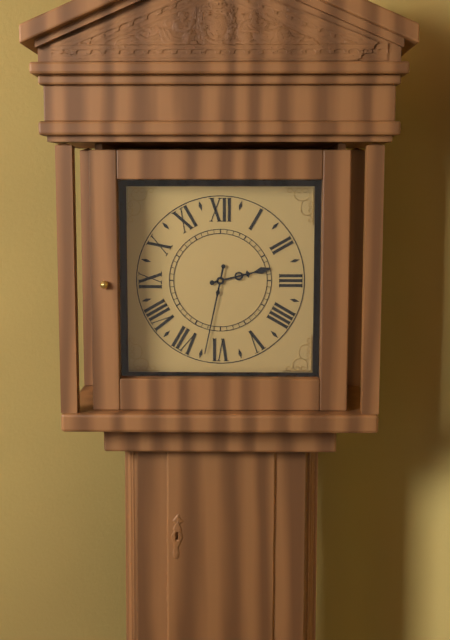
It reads 2.32
